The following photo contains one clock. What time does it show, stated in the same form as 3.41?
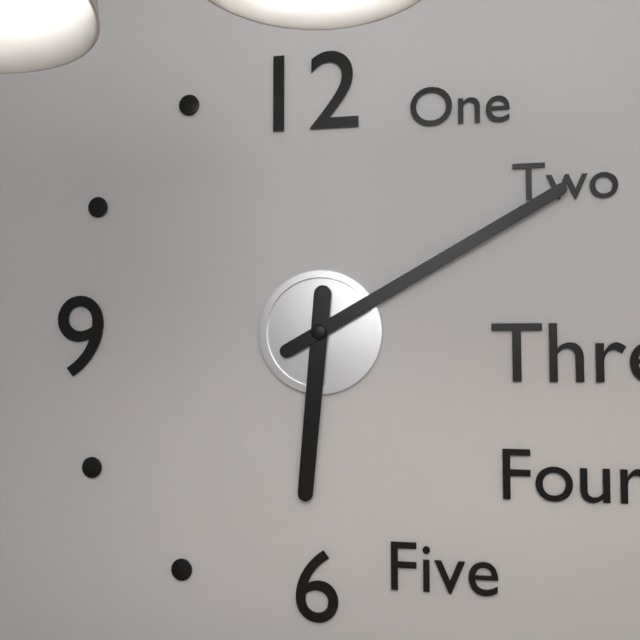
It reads 6.10
